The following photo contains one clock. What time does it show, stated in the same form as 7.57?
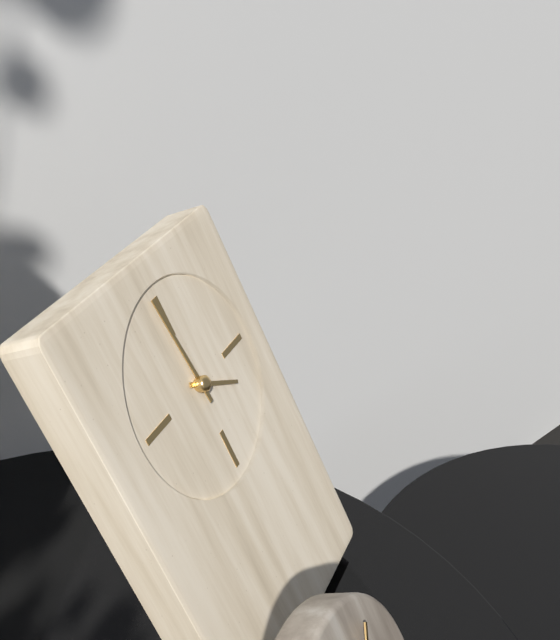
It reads 3.59
